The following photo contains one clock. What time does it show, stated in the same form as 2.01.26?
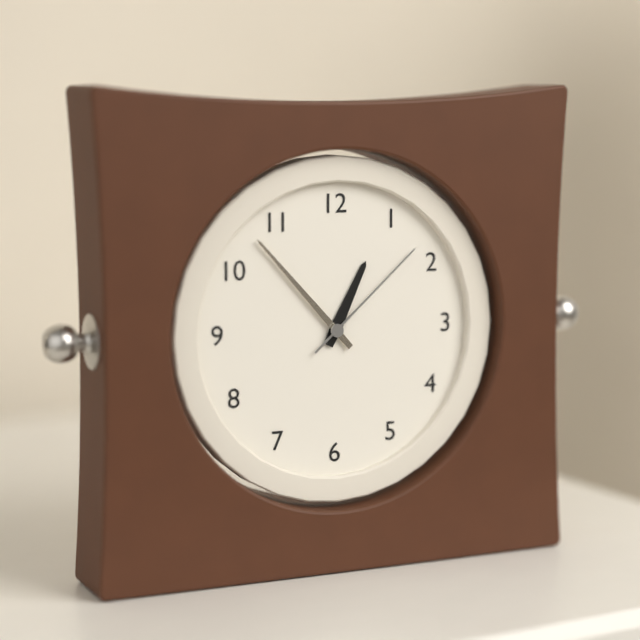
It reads 12.53.08
